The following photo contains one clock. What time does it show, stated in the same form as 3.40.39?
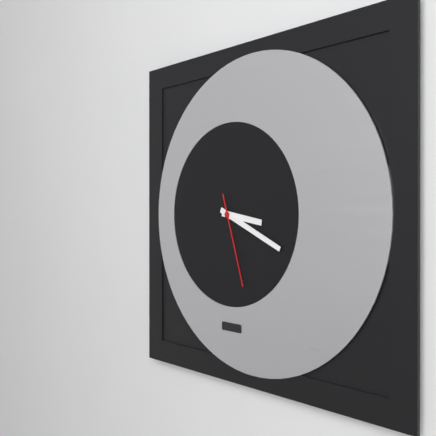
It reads 3.19.27
